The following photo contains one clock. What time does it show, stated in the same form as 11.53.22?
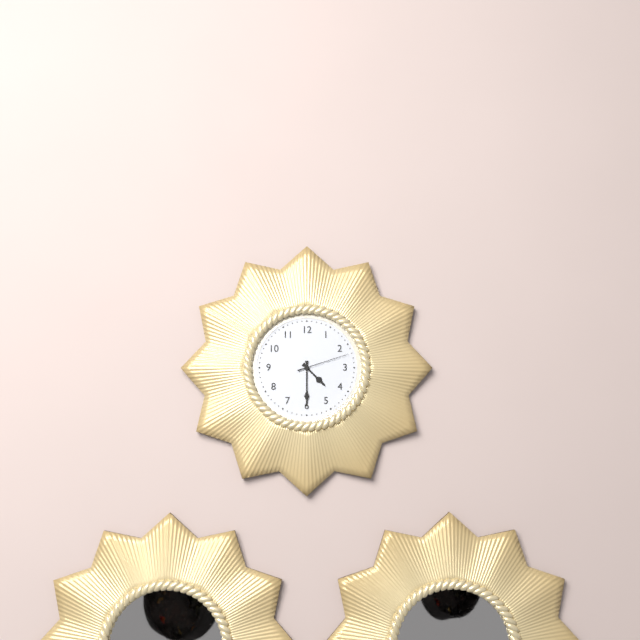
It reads 4.30.12
